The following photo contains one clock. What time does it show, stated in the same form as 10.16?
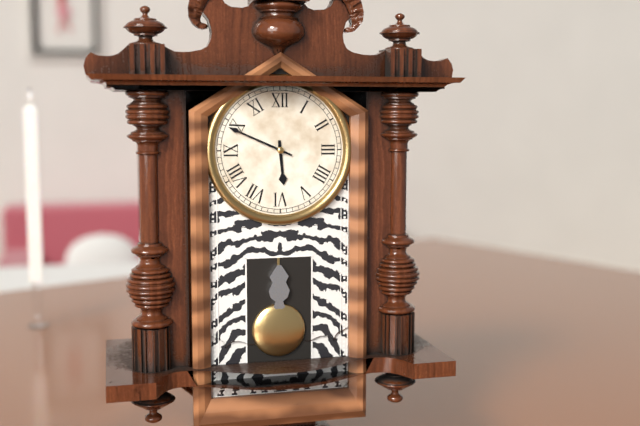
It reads 5.49
